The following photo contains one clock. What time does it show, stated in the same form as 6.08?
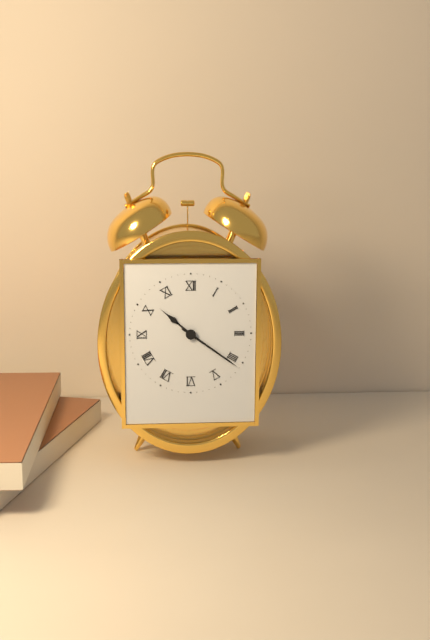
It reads 10.21
